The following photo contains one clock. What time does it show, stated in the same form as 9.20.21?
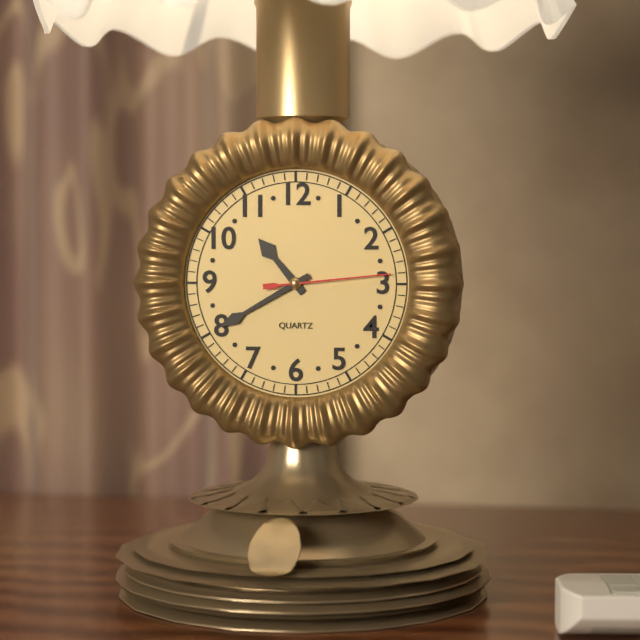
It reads 10.40.14
